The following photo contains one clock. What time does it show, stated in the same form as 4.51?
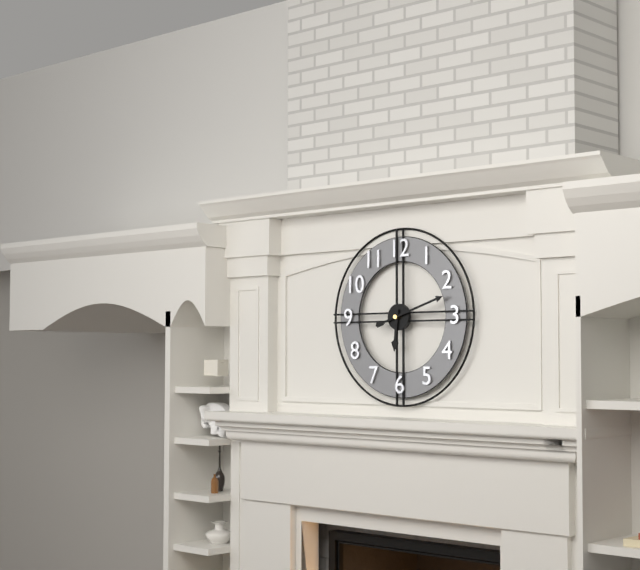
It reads 6.12
